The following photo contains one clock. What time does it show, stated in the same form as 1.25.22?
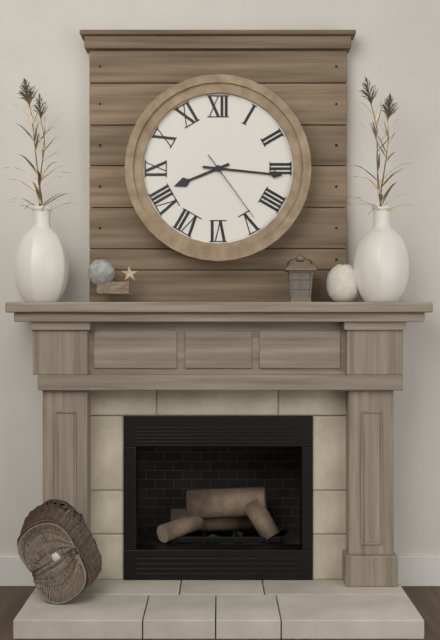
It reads 8.16.24
